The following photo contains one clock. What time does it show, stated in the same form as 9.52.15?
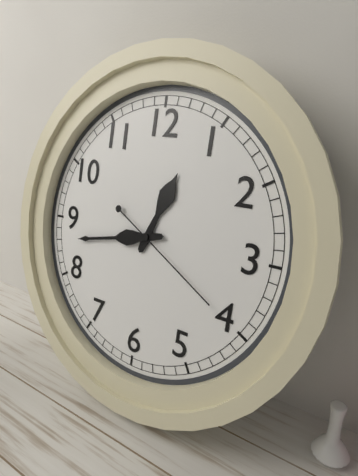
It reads 12.43.20
